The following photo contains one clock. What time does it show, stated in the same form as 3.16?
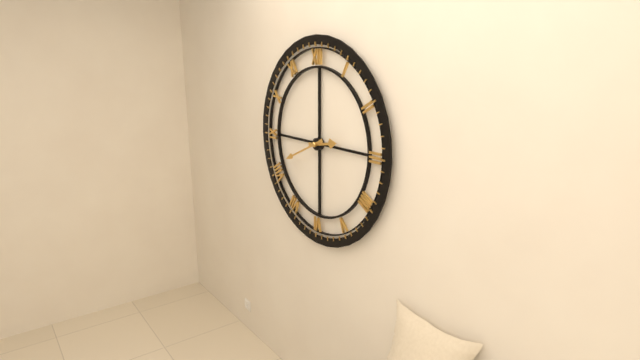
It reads 2.41
